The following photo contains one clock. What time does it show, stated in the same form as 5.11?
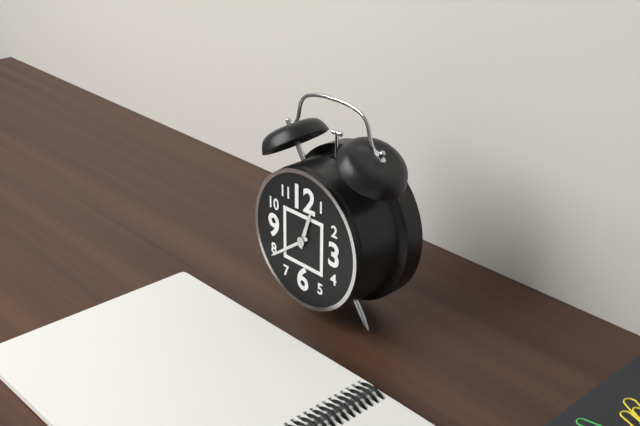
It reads 12.39
